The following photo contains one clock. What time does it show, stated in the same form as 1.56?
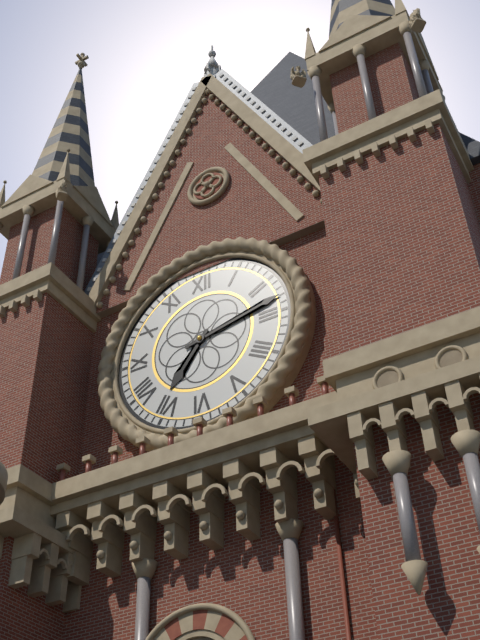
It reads 7.13
